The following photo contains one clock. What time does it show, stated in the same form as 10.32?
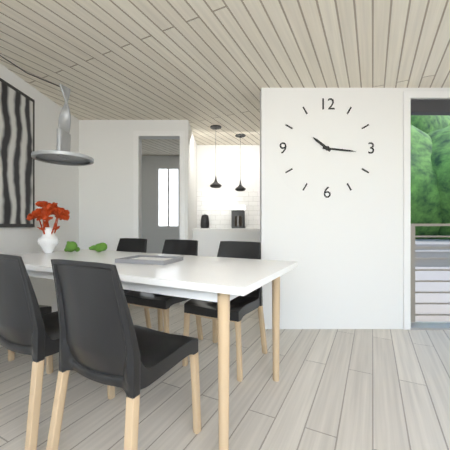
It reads 10.16
